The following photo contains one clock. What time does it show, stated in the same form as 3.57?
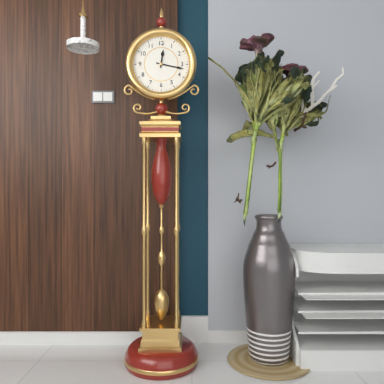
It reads 12.17
